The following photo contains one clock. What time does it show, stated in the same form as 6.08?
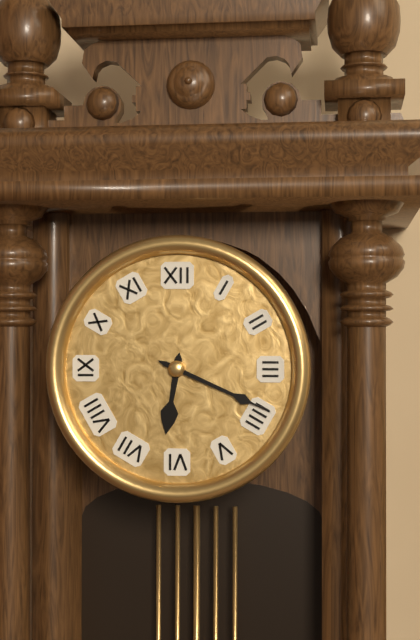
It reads 6.19
